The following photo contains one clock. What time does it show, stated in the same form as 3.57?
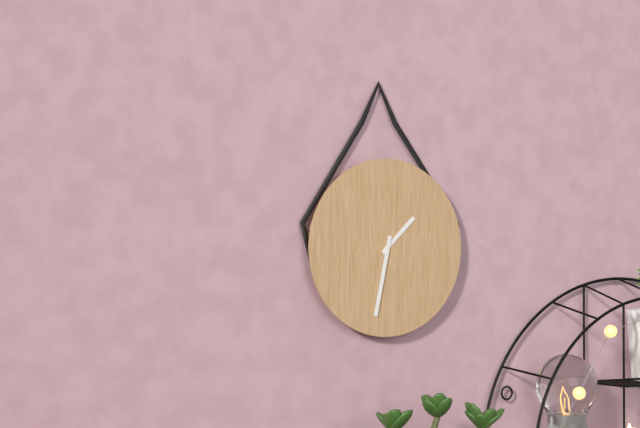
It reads 1.32
